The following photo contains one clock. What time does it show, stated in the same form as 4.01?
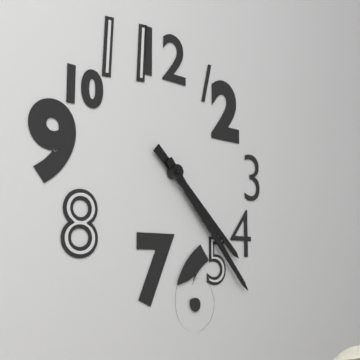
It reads 4.23
